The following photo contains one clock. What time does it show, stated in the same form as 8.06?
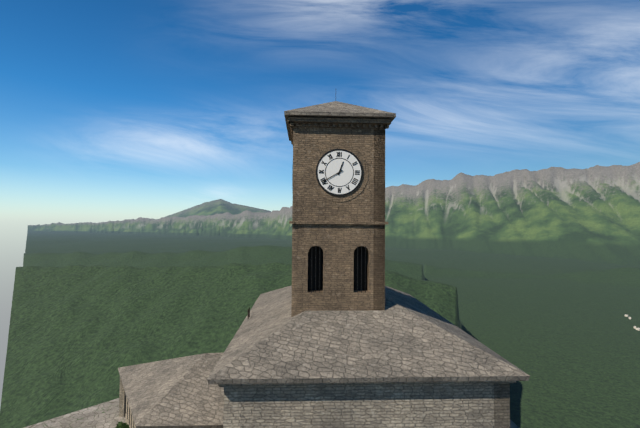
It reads 12.40
